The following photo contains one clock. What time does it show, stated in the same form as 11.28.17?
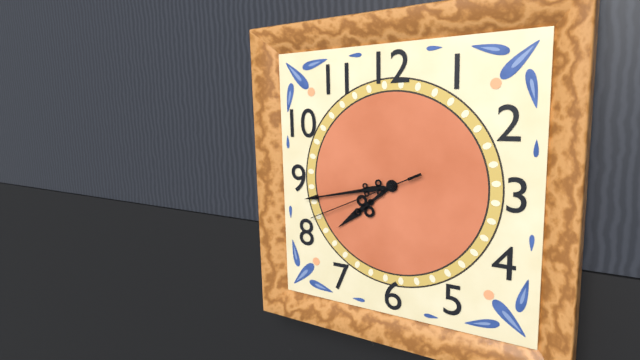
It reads 7.43.41
